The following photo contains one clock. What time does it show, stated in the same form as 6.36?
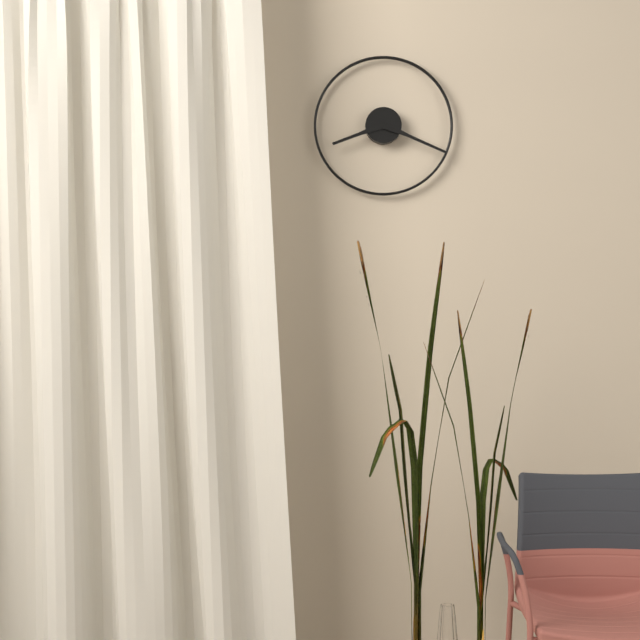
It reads 8.19
